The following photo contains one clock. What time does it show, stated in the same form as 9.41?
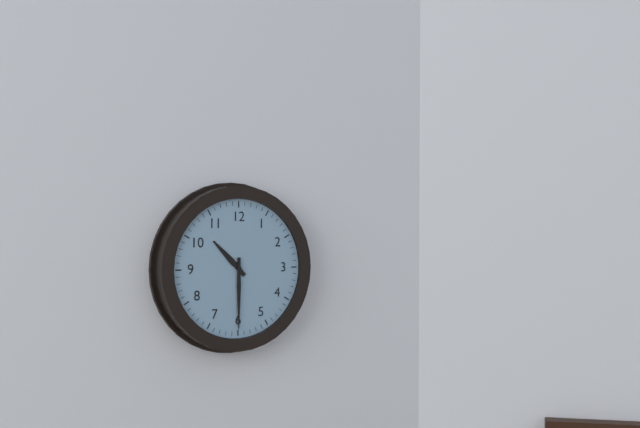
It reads 10.30
